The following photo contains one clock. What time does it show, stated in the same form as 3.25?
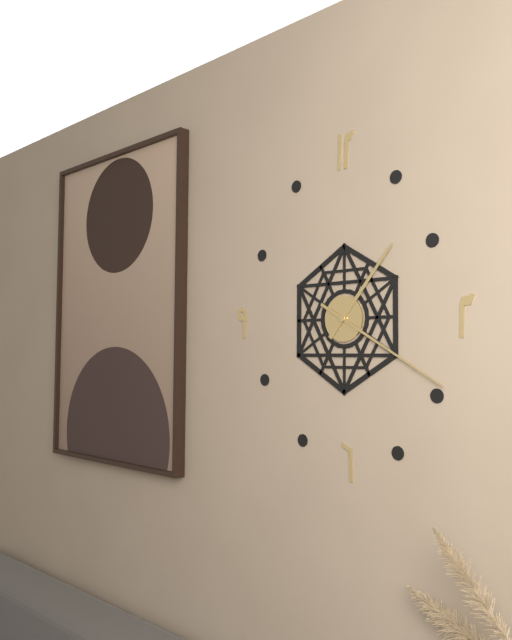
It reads 1.20
